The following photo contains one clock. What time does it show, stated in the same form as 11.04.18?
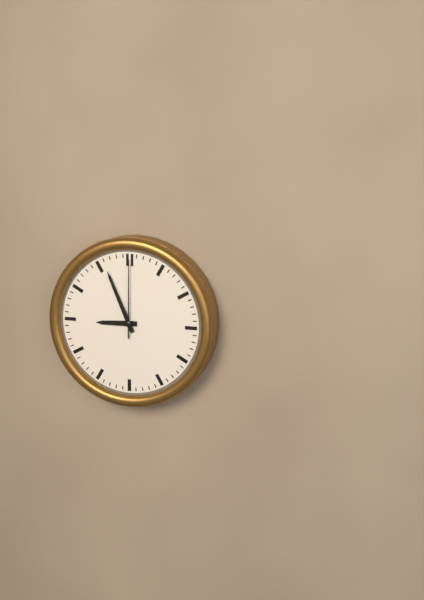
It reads 8.56.00
